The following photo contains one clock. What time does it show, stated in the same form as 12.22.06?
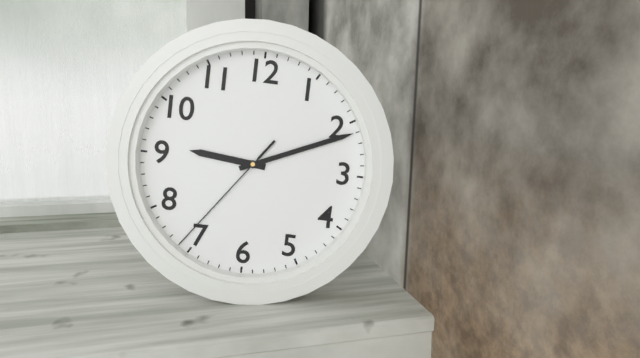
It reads 9.11.36
